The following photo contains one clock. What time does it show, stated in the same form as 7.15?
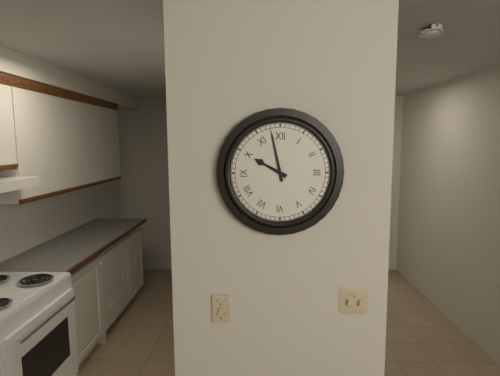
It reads 9.58
